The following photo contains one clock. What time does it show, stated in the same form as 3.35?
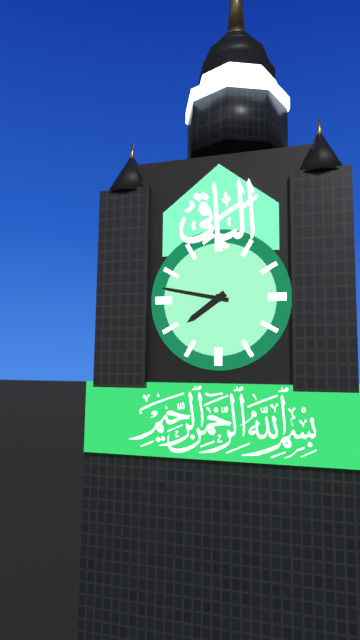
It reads 7.47
